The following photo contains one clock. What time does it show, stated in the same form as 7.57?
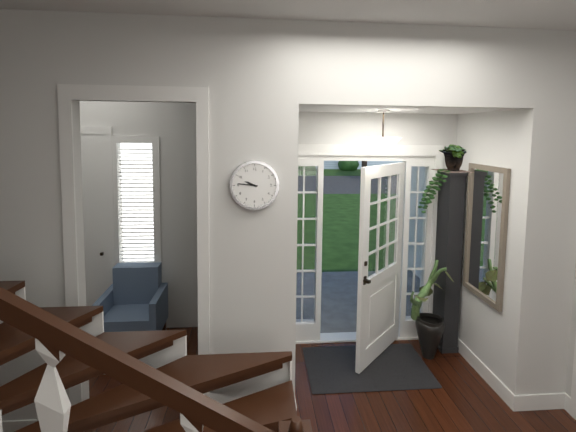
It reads 9.46
